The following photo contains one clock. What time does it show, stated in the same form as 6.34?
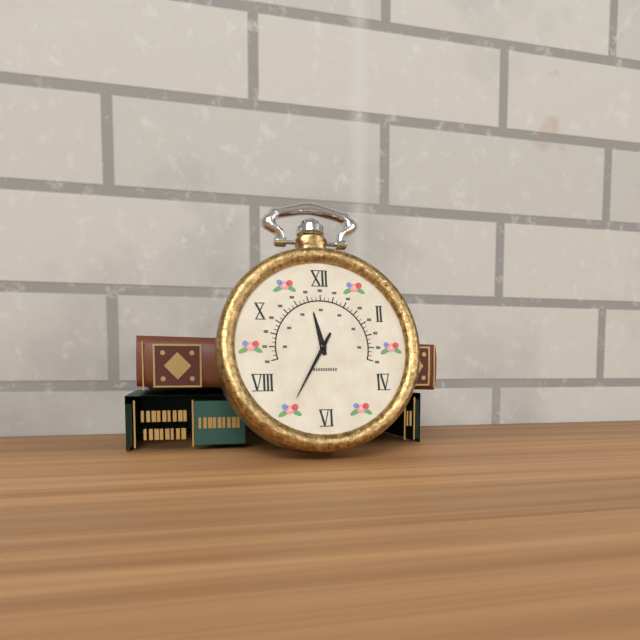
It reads 11.35
